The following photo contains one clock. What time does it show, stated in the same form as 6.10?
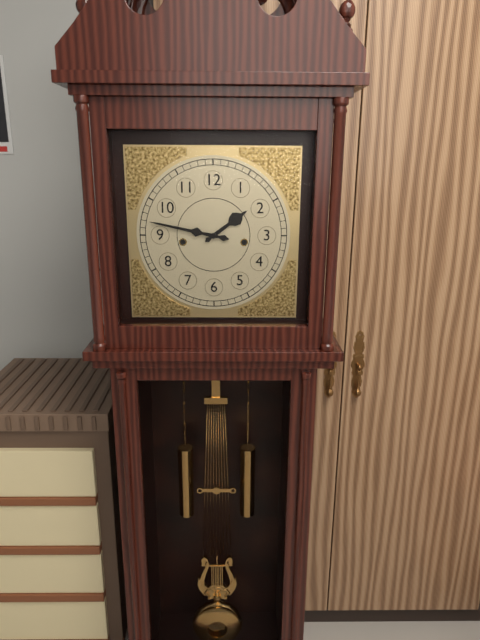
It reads 1.47
